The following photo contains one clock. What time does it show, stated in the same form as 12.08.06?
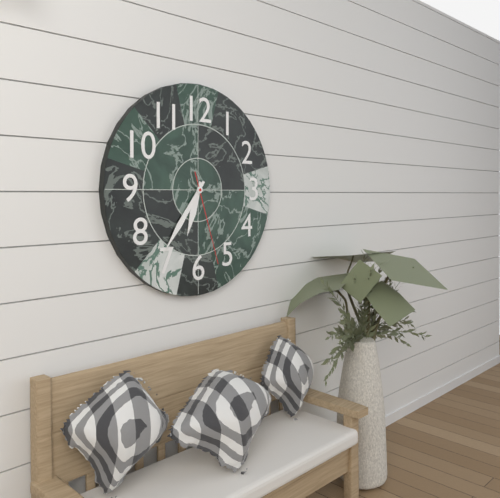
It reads 6.36.27
